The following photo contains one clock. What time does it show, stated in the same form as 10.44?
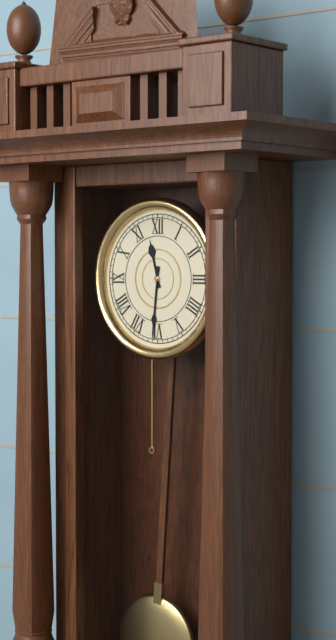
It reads 11.31
